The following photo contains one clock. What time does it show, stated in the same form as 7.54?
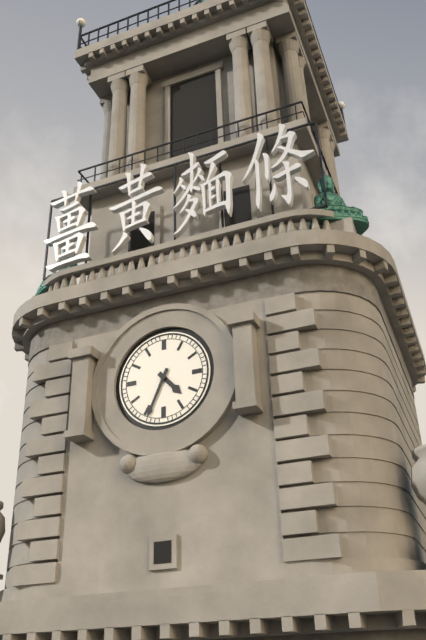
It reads 4.34
